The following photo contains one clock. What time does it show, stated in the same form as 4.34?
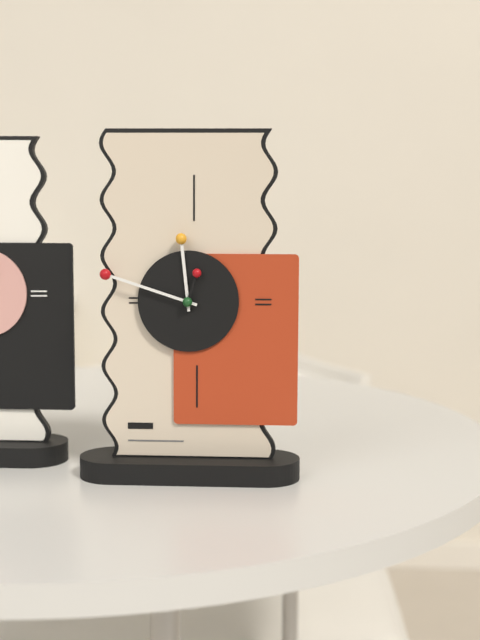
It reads 11.48
